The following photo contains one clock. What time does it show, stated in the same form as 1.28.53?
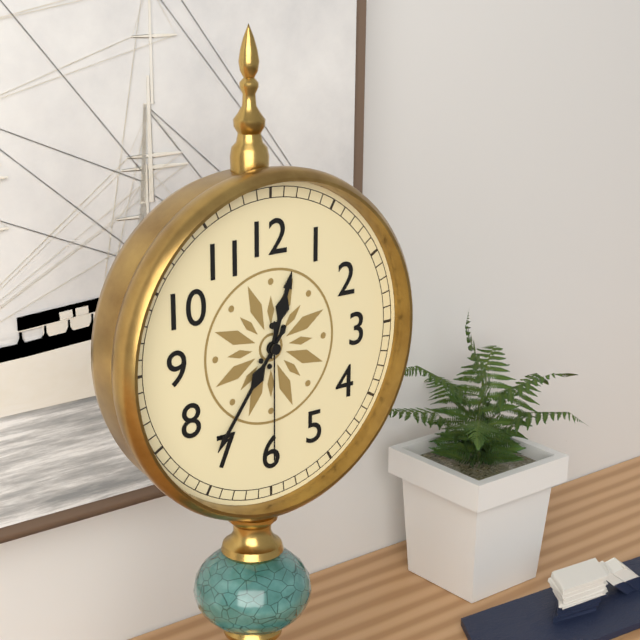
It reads 12.36.30
